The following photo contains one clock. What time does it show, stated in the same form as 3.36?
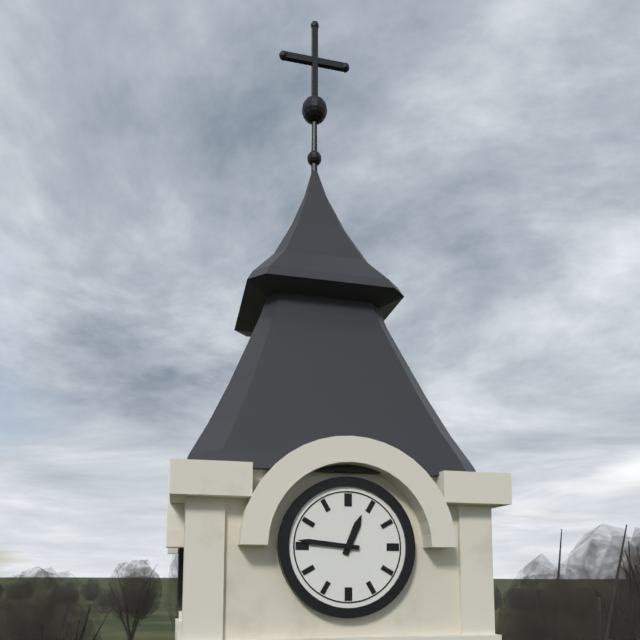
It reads 12.46
